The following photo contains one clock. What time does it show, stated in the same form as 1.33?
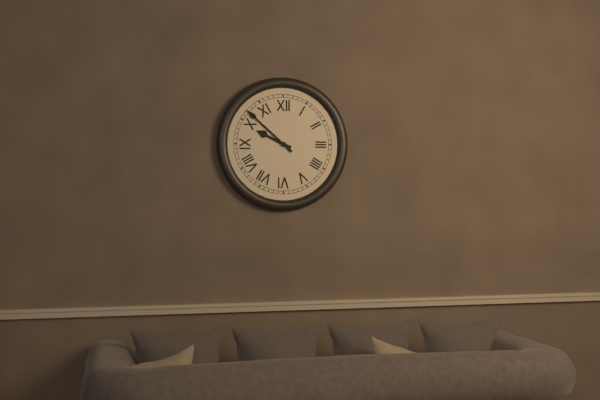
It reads 9.52
